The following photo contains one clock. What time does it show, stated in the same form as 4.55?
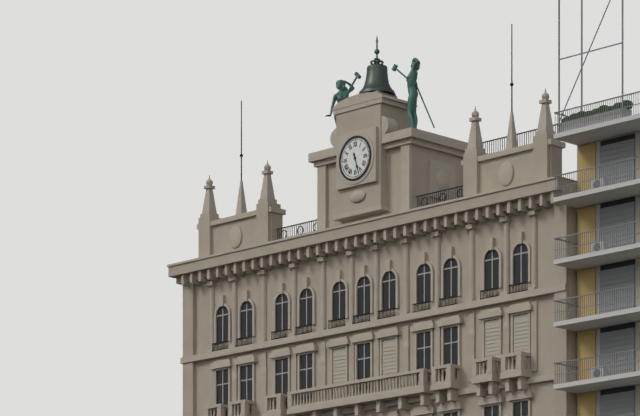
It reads 5.27
